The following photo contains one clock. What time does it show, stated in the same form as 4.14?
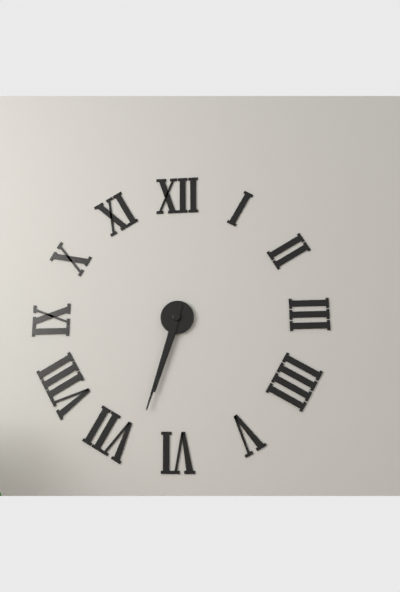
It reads 6.33
